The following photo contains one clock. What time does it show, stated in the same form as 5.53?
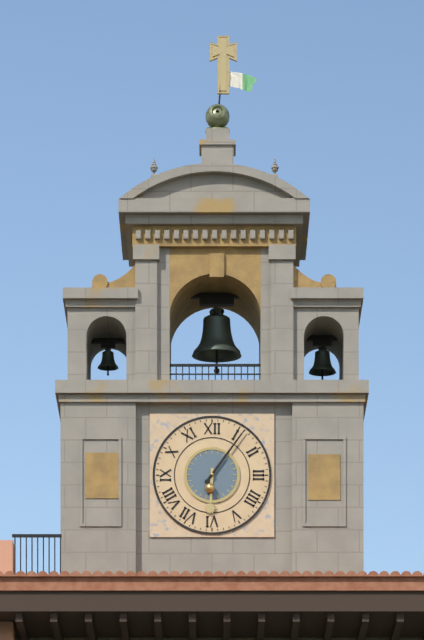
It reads 6.06
